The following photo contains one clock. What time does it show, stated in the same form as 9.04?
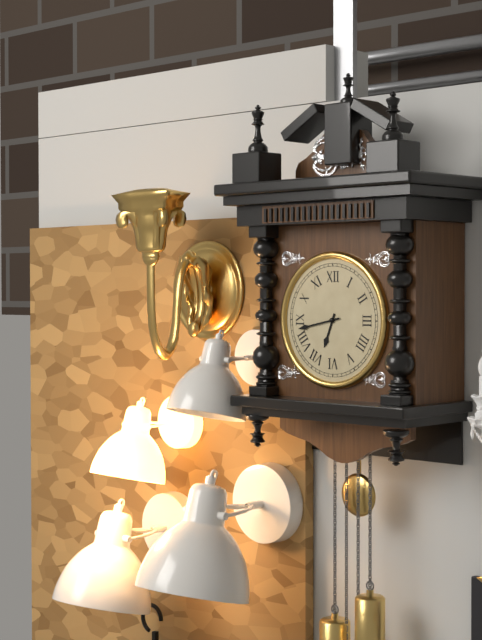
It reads 6.43
